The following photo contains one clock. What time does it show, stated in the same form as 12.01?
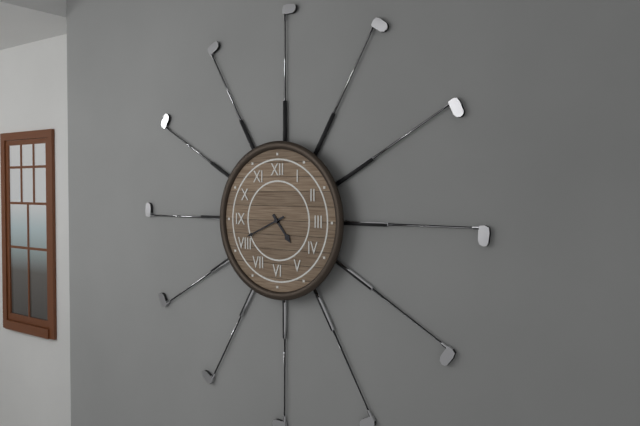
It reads 4.41
